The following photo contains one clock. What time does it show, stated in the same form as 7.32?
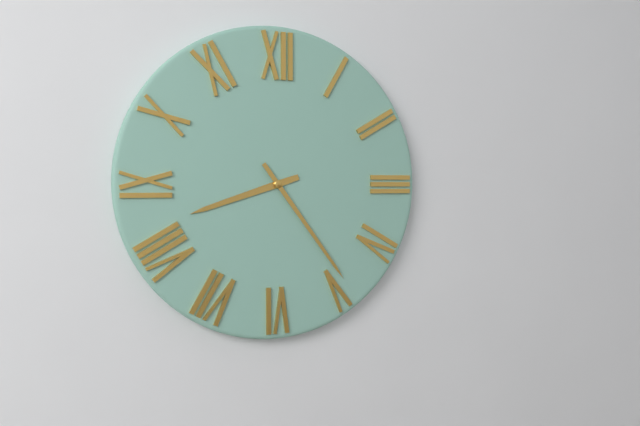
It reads 8.24
